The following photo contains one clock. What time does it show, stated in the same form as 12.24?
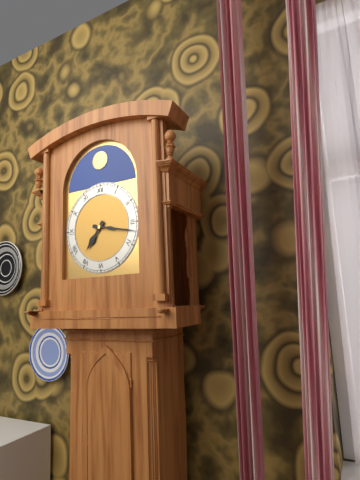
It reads 7.17
